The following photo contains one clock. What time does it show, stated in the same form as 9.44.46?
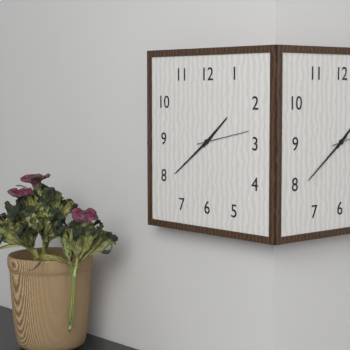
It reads 1.39.13
